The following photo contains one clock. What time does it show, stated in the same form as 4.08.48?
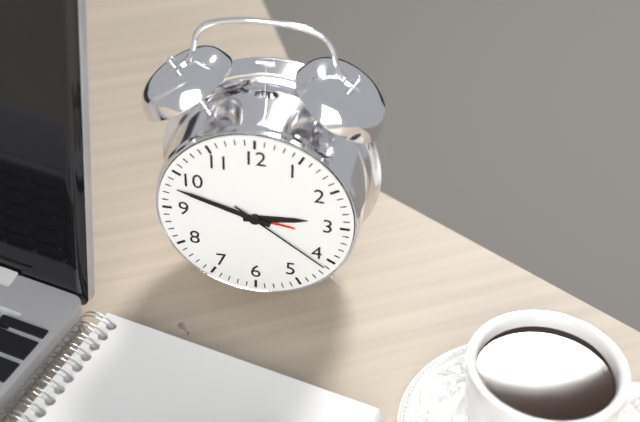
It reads 2.48.21
